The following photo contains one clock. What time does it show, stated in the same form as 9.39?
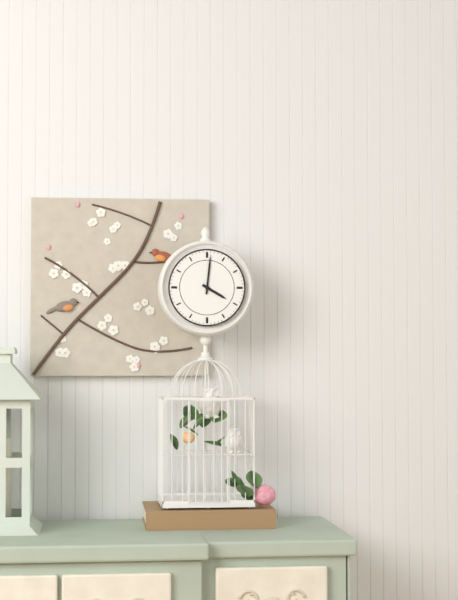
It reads 4.01
